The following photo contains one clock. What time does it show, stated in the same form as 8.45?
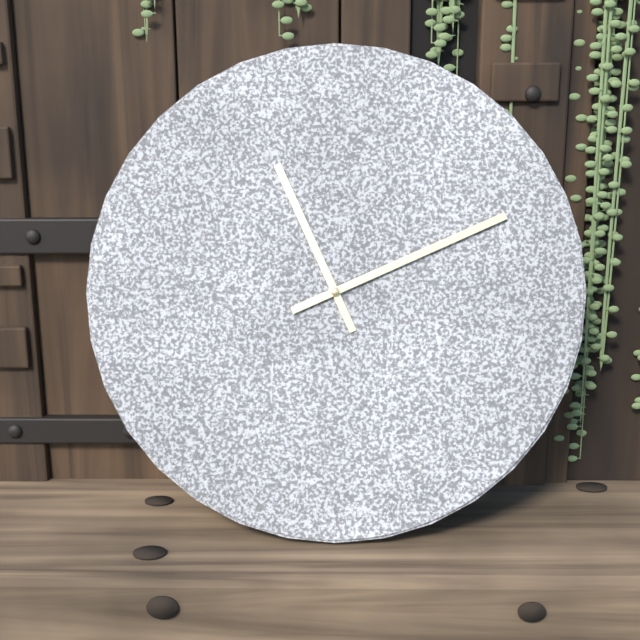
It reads 11.11
